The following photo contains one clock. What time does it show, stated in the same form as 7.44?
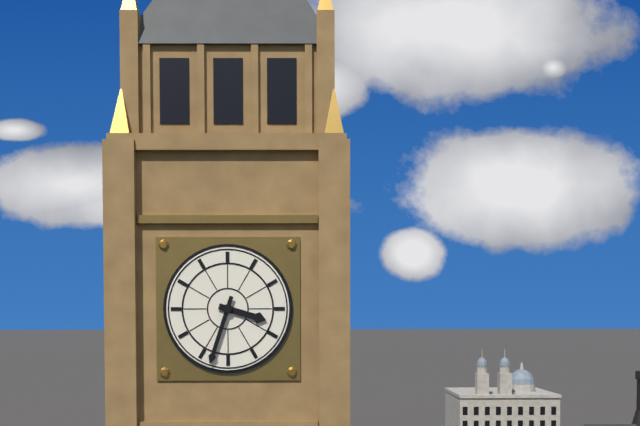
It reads 3.33
